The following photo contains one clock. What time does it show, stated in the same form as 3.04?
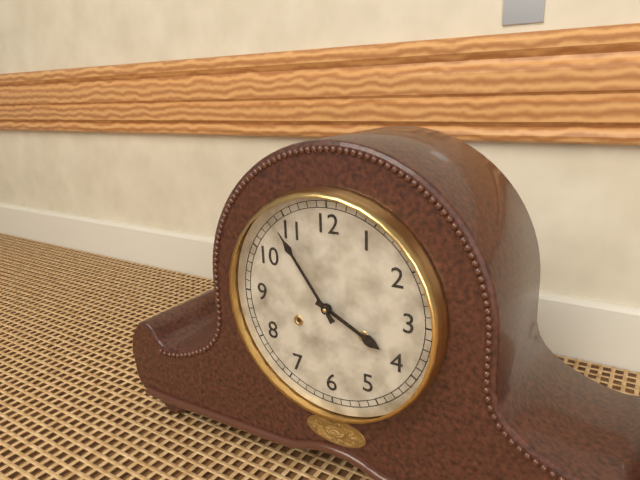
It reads 3.54
